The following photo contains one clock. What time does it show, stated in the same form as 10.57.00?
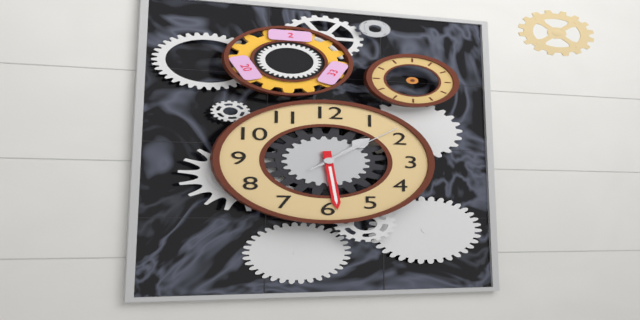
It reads 1.29.08
